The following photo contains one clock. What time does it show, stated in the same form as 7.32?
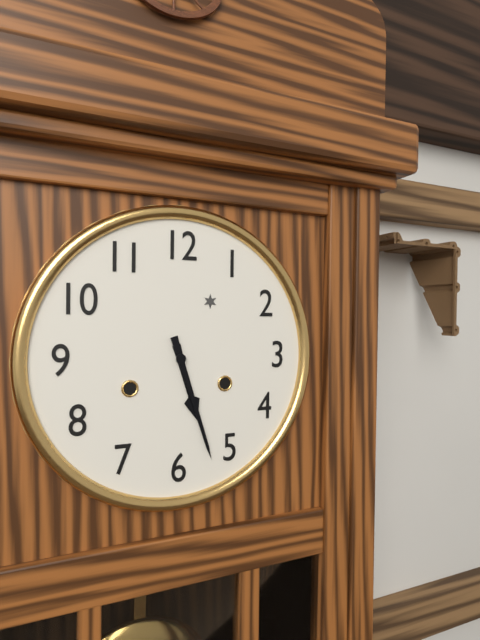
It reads 5.27
